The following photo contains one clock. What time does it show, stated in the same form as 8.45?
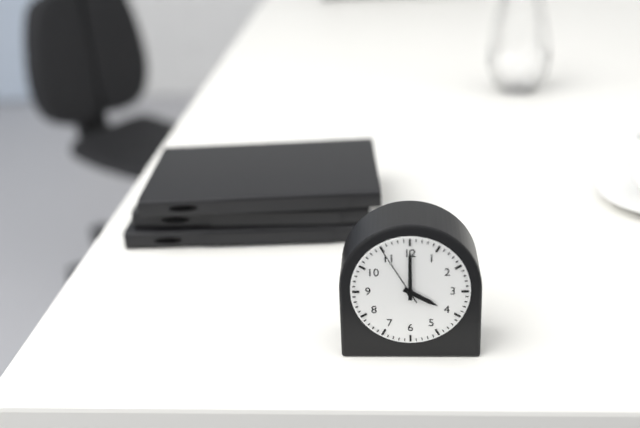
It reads 4.00
